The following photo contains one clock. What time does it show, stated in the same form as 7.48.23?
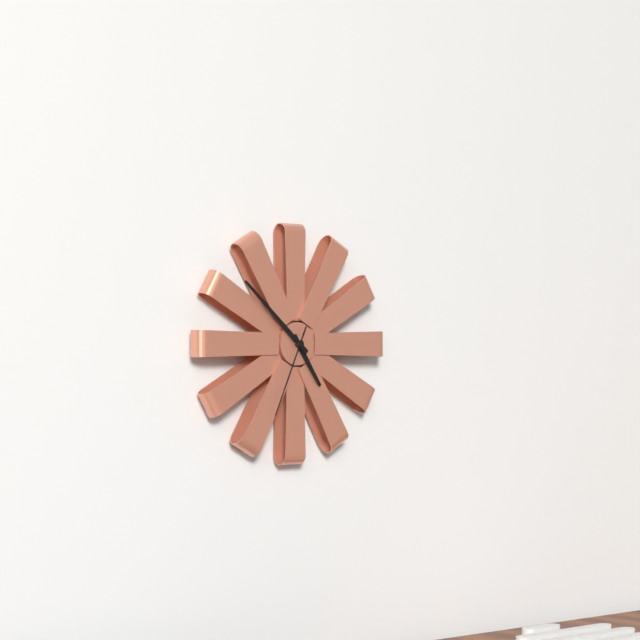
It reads 4.52.34
